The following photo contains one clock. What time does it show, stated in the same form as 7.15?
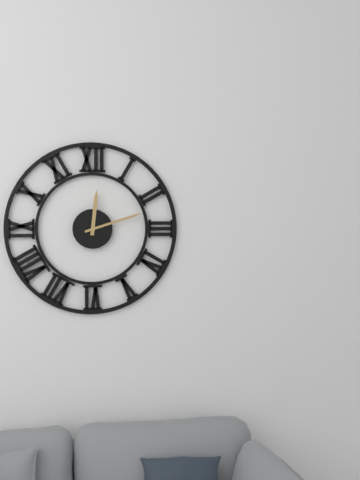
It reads 12.12
